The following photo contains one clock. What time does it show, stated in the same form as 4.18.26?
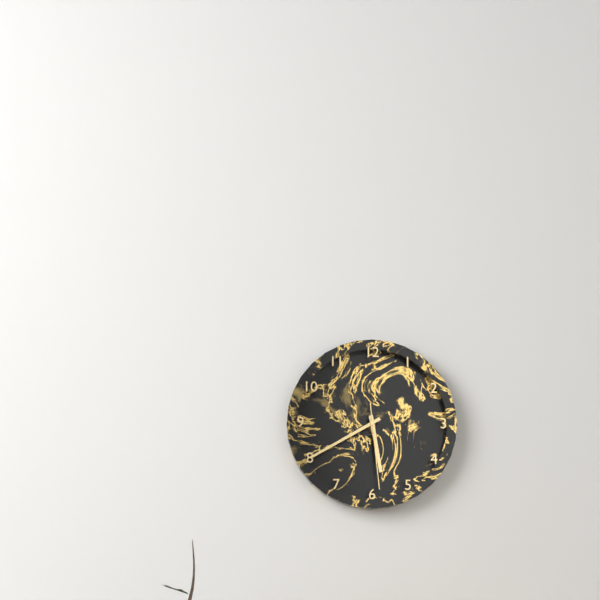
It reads 5.40.29
